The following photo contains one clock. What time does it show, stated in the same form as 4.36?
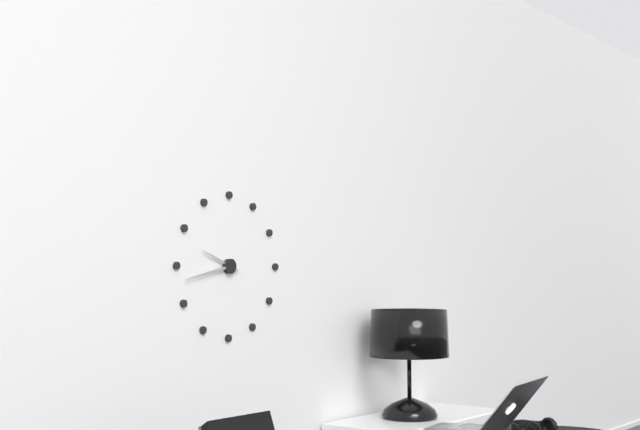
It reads 9.43
